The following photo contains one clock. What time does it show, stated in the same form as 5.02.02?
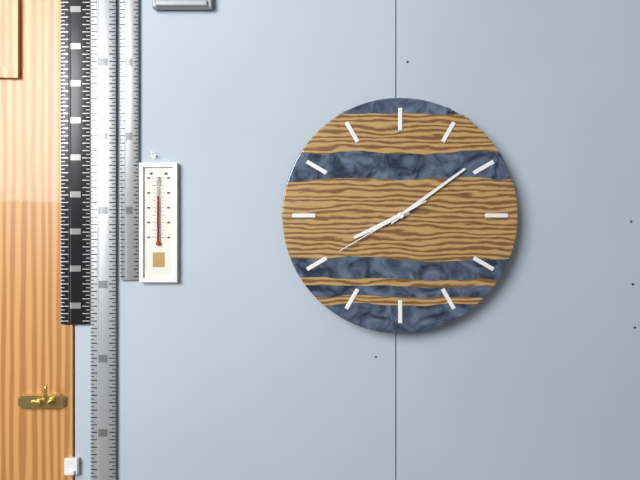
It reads 8.09.40
